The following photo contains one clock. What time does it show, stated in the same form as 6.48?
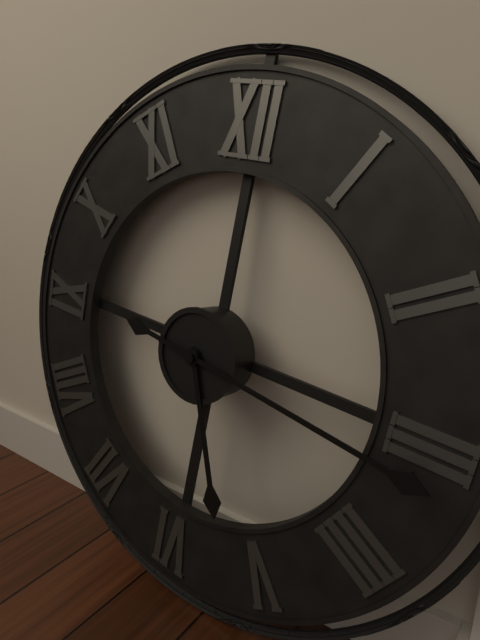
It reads 5.16
